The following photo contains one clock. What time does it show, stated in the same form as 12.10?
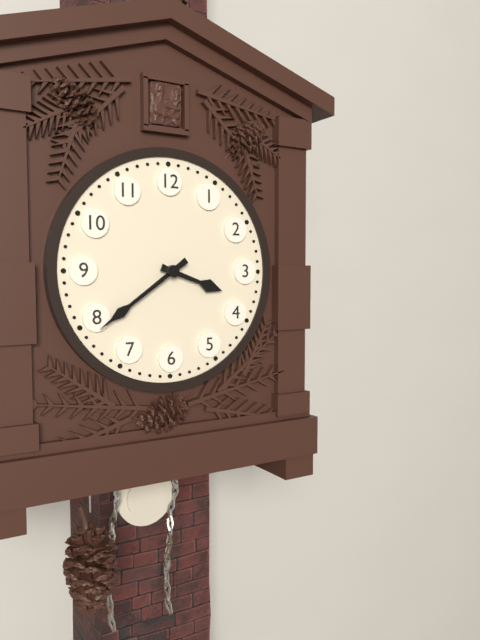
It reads 3.39
